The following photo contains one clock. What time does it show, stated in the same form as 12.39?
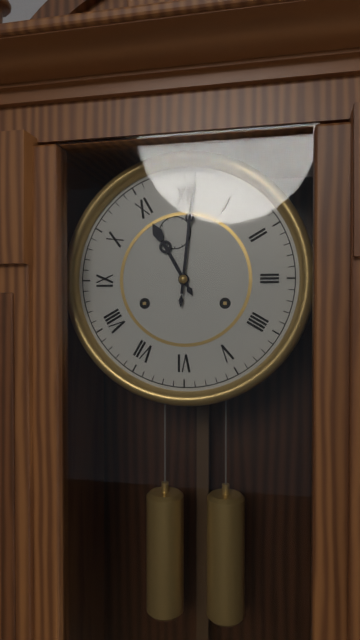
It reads 11.01
